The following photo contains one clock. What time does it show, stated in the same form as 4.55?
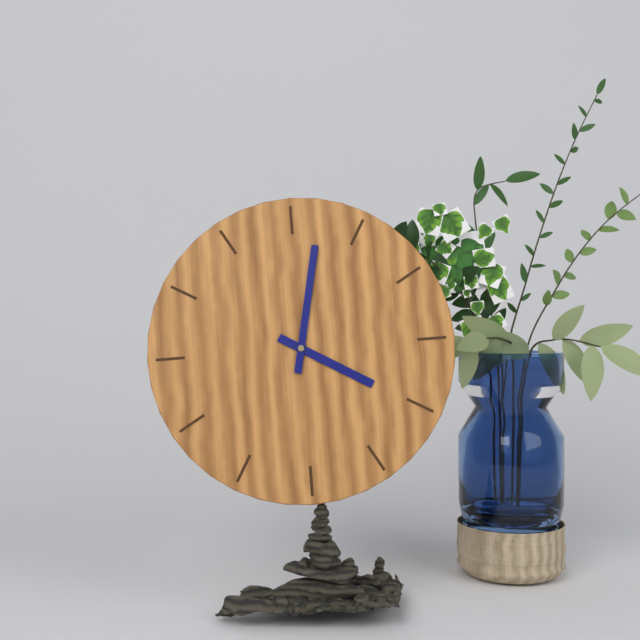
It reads 4.02
